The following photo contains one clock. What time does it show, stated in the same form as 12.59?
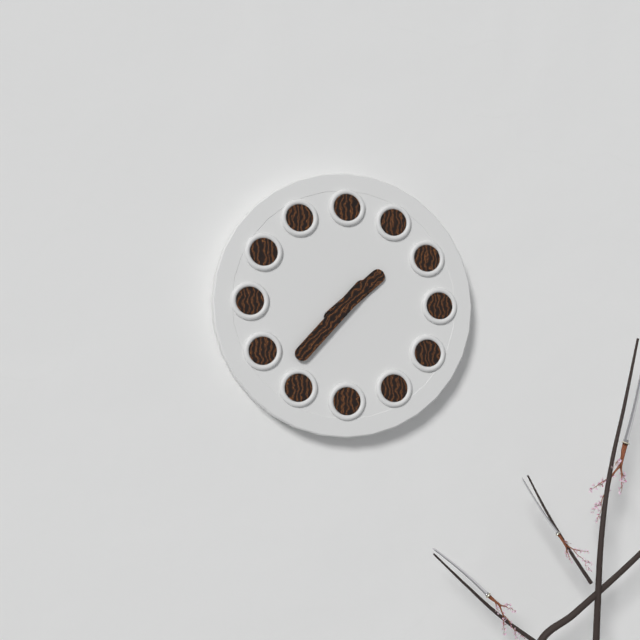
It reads 1.37
